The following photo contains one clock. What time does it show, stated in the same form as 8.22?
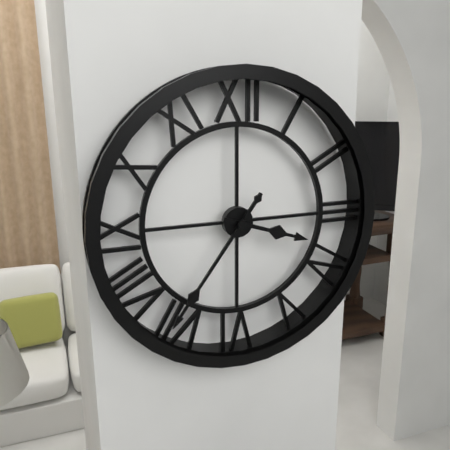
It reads 3.36
